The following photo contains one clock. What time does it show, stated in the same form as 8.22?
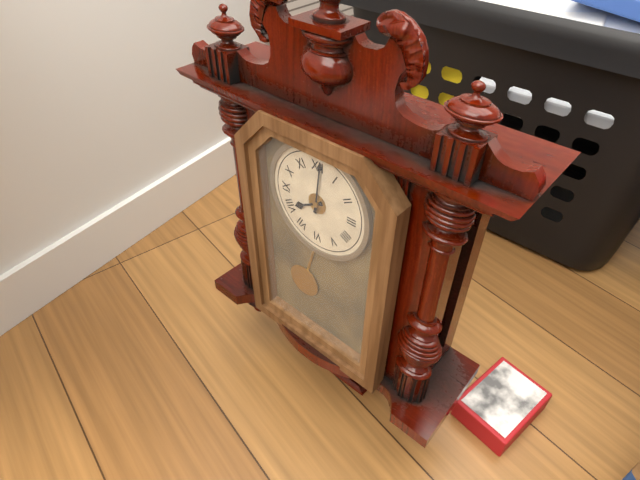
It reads 8.01
